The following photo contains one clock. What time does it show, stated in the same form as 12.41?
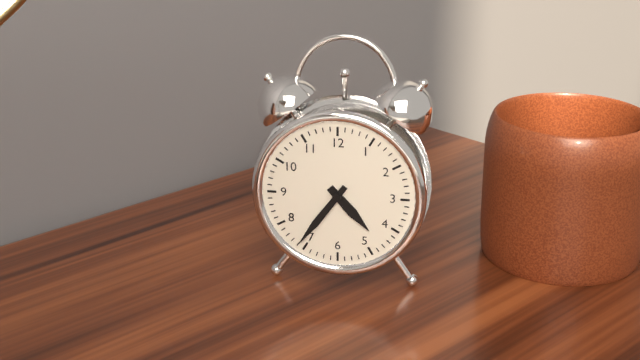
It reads 4.36
